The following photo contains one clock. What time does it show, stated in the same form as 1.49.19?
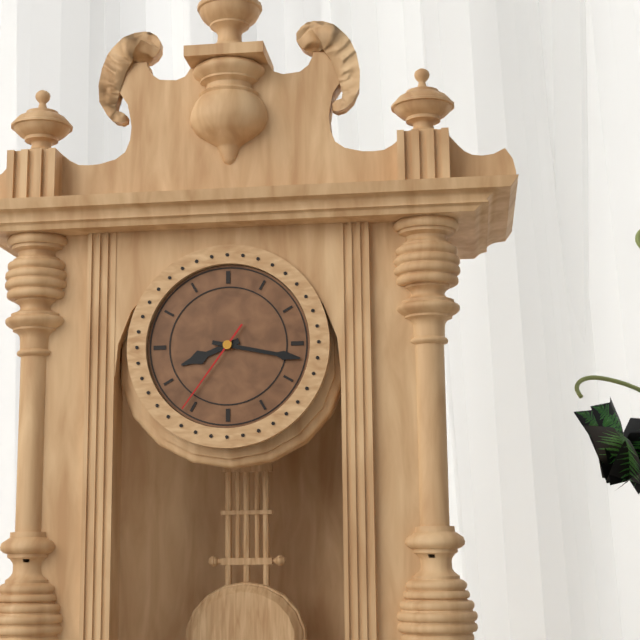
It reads 8.17.36
